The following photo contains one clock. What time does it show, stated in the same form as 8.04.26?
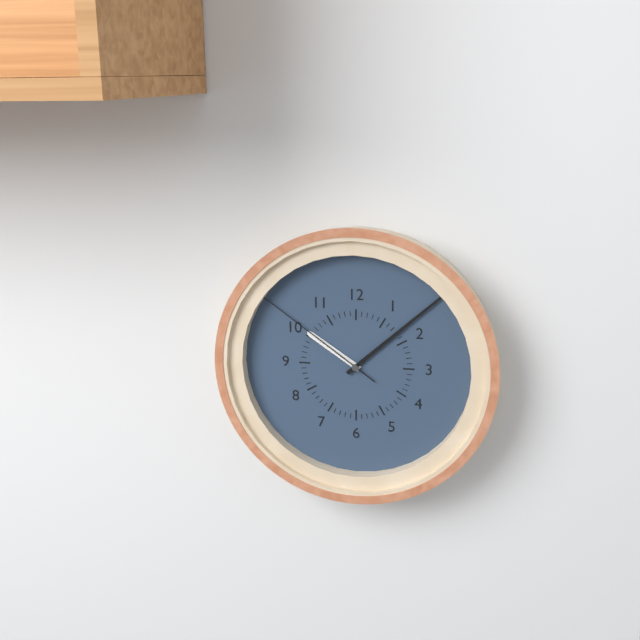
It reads 10.08.51
